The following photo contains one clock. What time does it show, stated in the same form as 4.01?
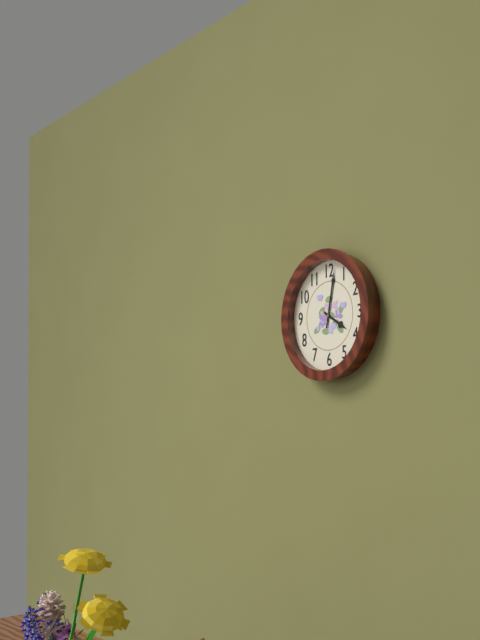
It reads 4.02
